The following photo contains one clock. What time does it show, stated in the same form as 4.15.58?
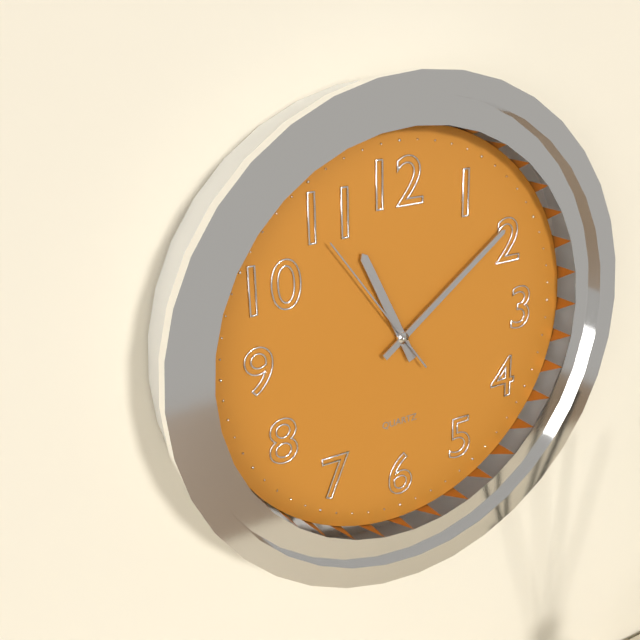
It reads 11.09.54
